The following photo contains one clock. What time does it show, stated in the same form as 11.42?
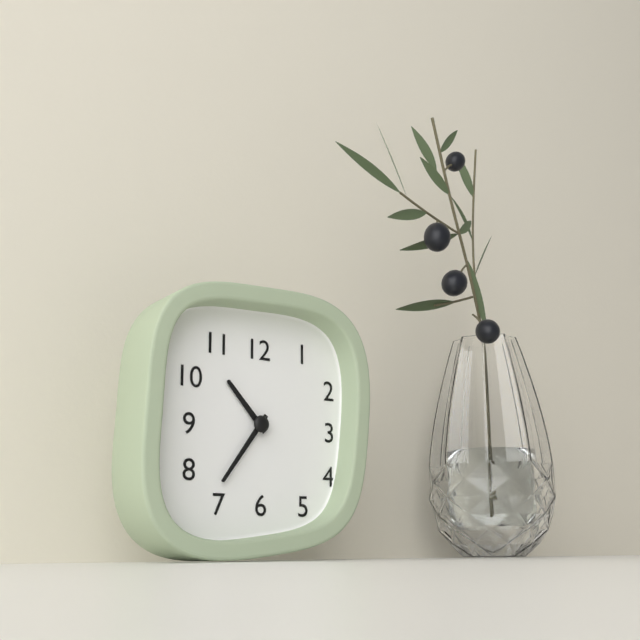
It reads 10.36
